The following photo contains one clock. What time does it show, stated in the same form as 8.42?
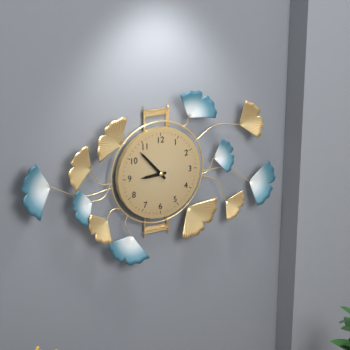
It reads 8.53
